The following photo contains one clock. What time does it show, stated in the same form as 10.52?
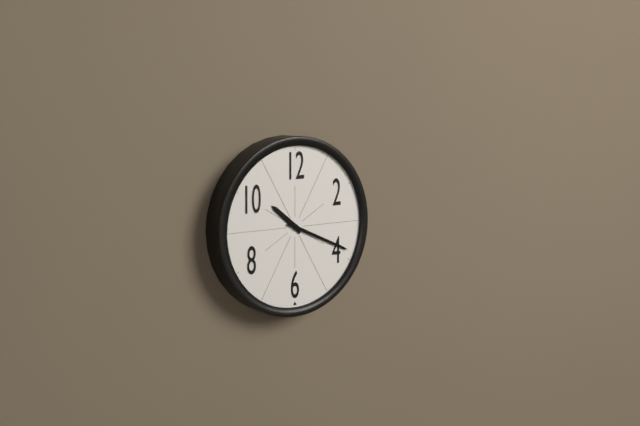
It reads 10.19
